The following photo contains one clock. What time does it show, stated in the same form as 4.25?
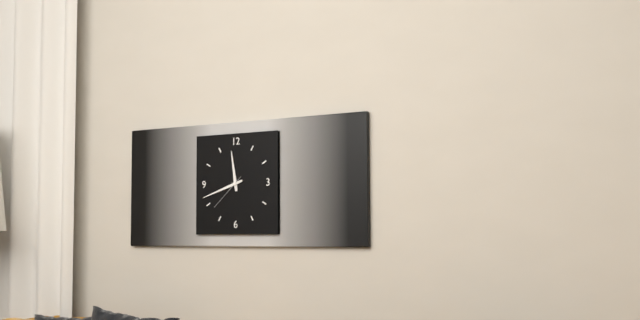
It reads 11.42
